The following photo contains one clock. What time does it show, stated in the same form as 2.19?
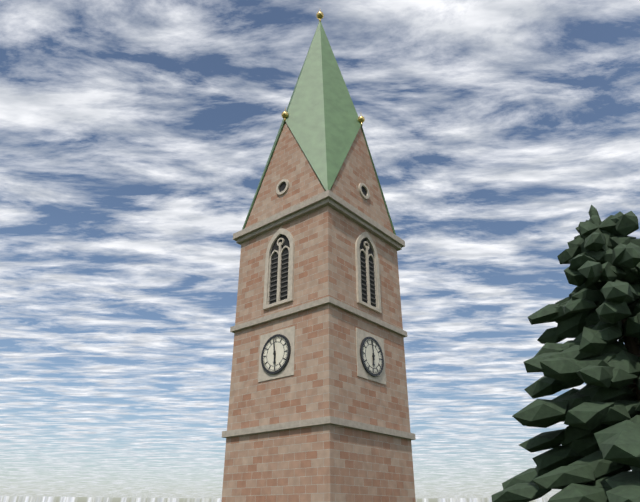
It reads 5.59
